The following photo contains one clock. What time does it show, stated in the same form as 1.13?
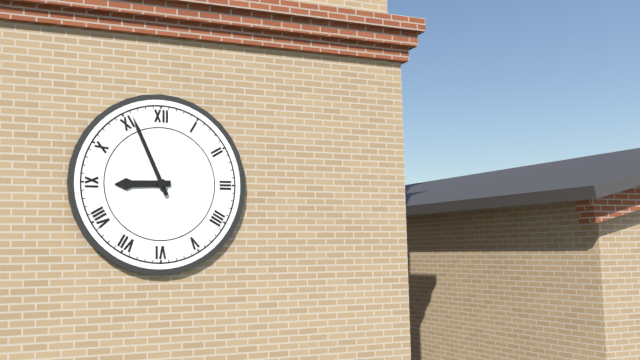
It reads 8.56
